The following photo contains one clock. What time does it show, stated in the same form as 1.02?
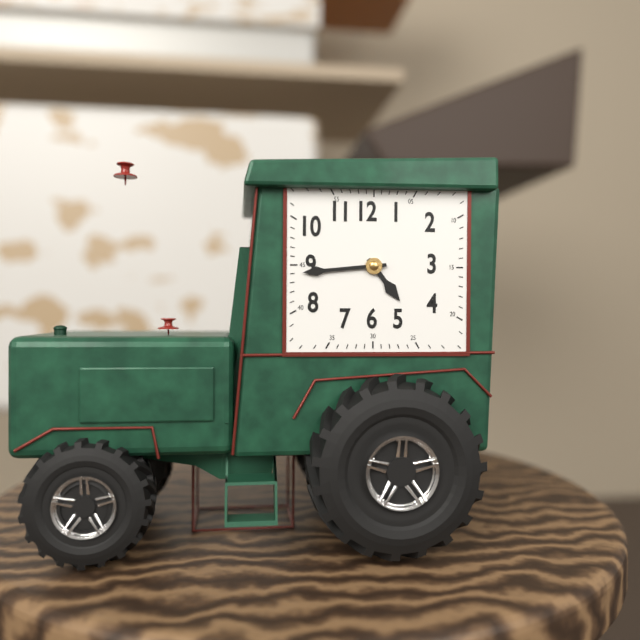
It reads 4.44
